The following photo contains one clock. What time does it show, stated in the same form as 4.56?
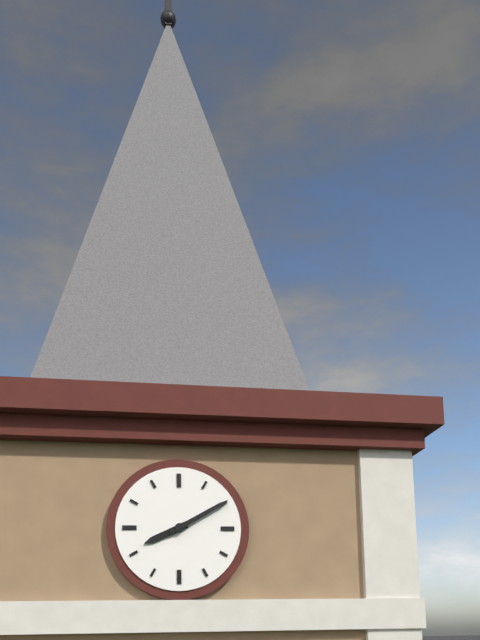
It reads 8.10
